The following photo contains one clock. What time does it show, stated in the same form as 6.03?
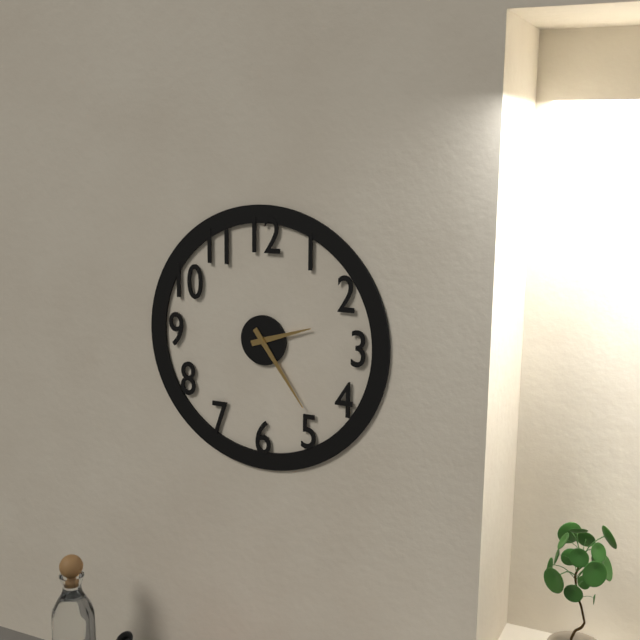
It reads 2.24
